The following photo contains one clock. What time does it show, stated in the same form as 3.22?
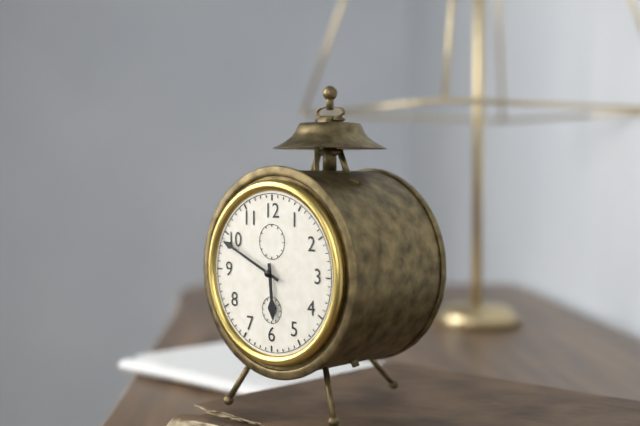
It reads 5.49
